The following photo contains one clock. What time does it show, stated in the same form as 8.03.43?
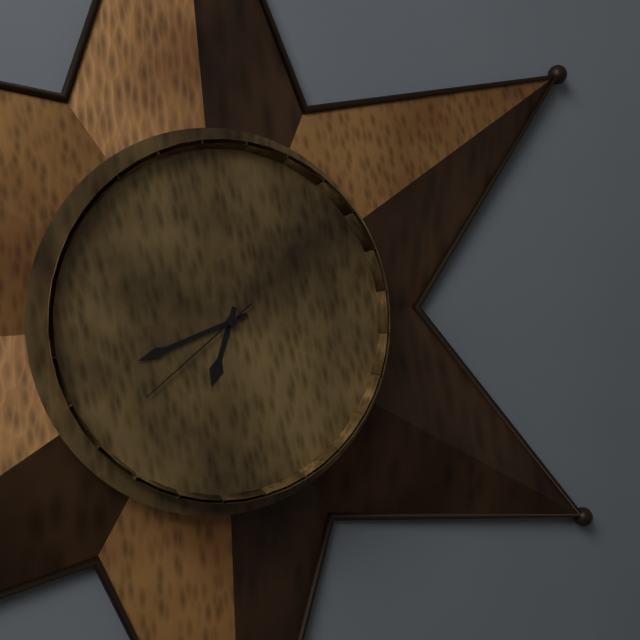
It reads 6.42.39
